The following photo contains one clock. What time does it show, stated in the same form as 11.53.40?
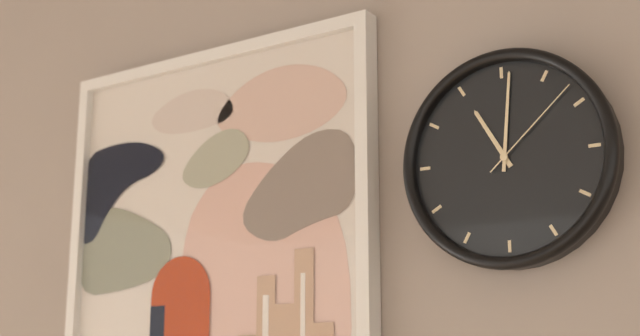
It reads 11.01.08
